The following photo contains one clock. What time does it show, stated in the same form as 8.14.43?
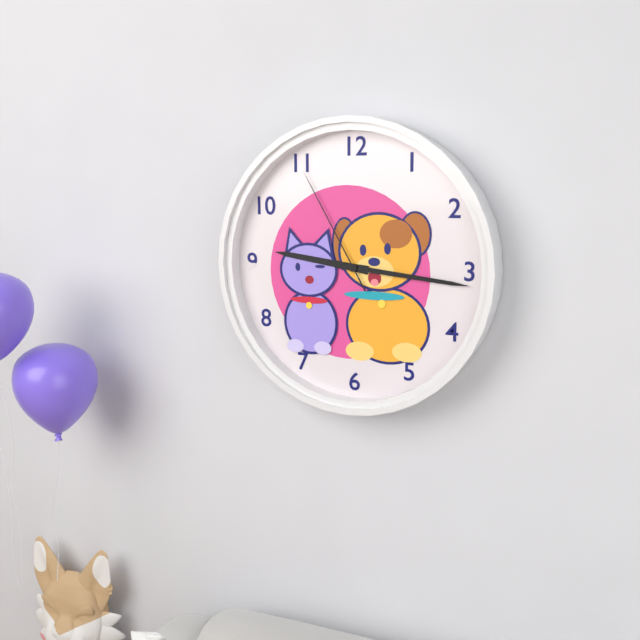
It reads 9.16.55
